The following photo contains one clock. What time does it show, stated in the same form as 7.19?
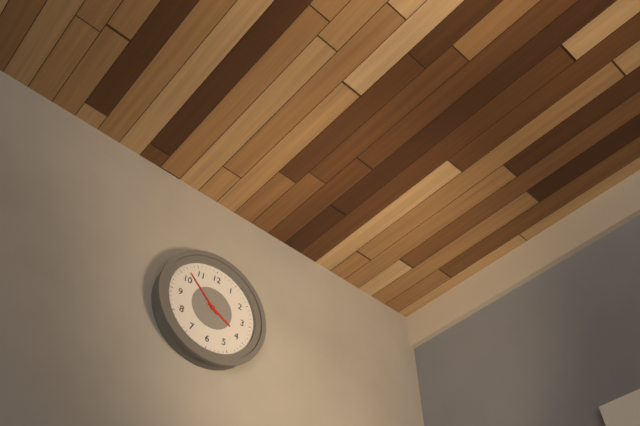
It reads 3.52
